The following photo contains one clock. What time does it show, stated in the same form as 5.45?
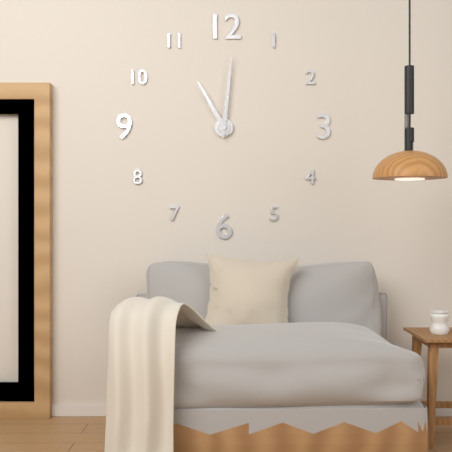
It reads 11.01
